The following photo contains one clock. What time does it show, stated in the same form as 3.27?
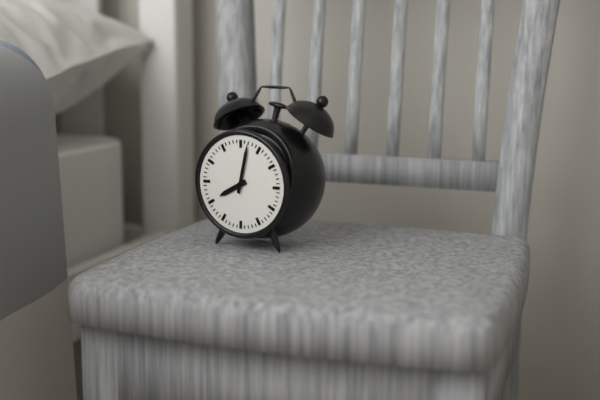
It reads 8.02
